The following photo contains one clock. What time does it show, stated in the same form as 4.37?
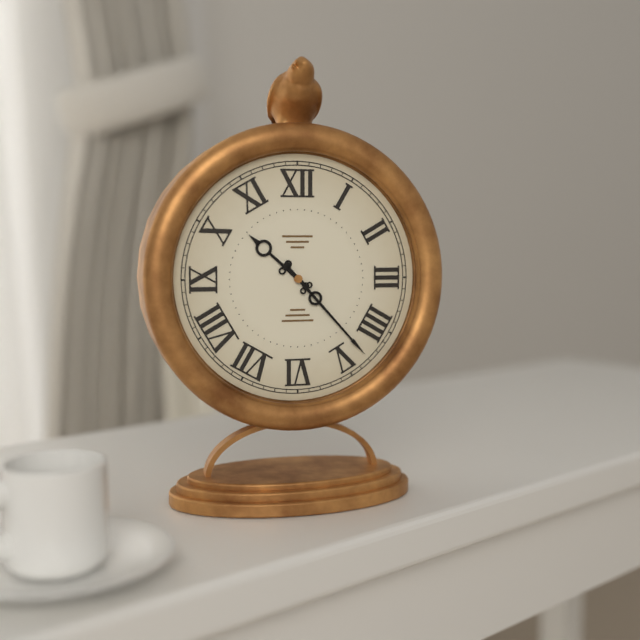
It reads 10.23
